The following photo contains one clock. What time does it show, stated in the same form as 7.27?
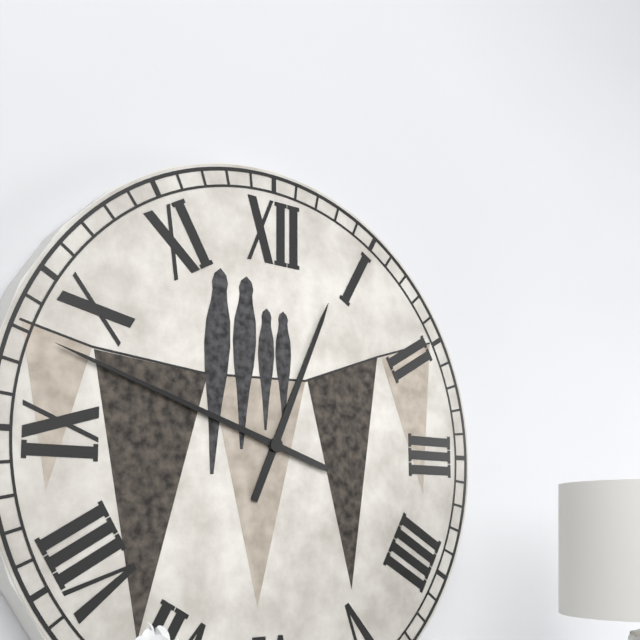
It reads 12.48
